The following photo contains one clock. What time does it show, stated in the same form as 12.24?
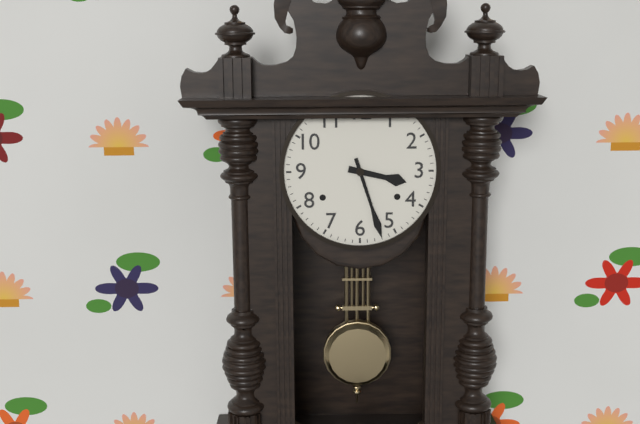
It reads 3.27
